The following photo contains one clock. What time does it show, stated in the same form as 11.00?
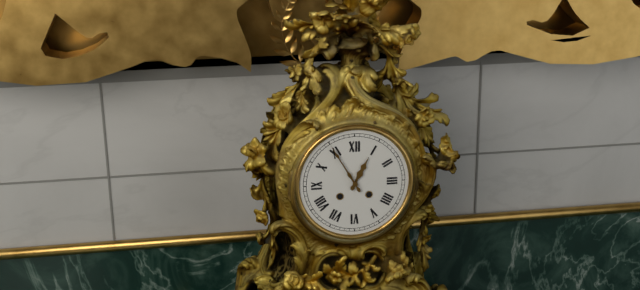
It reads 12.55
